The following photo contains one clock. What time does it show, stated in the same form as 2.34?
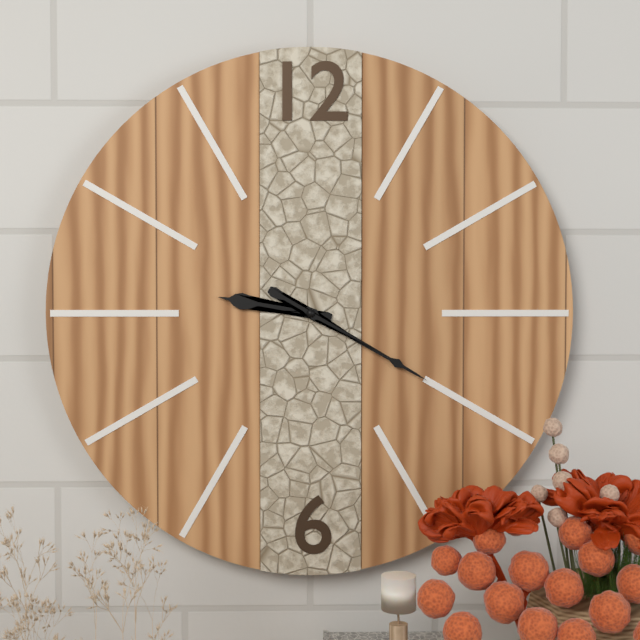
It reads 9.20
